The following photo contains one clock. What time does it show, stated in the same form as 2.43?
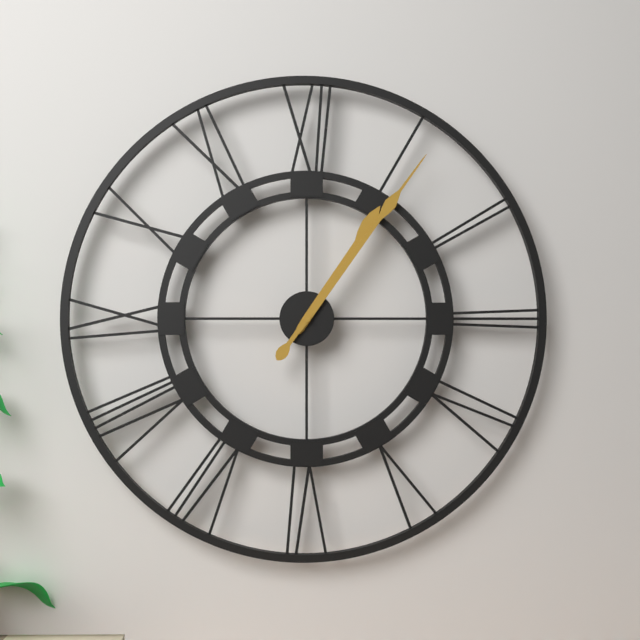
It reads 1.06
